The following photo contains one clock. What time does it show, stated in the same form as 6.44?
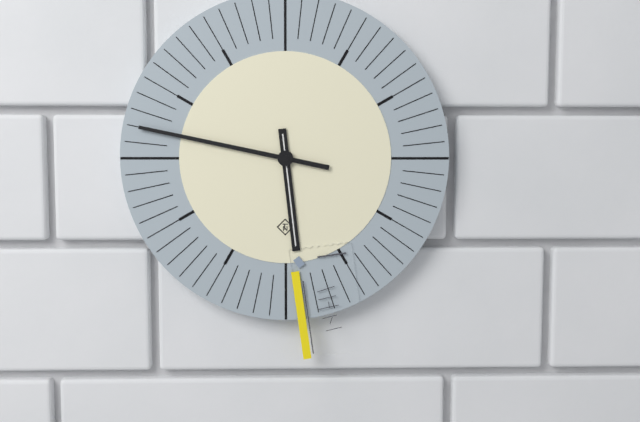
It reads 5.47
